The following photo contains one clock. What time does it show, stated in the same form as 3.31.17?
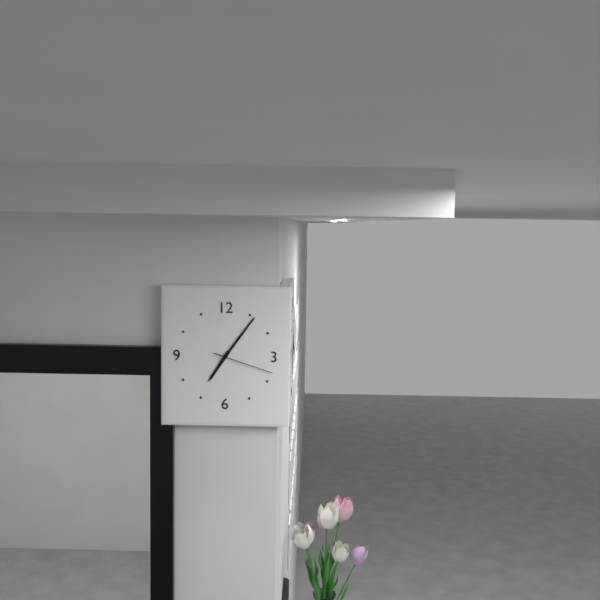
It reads 7.06.18
